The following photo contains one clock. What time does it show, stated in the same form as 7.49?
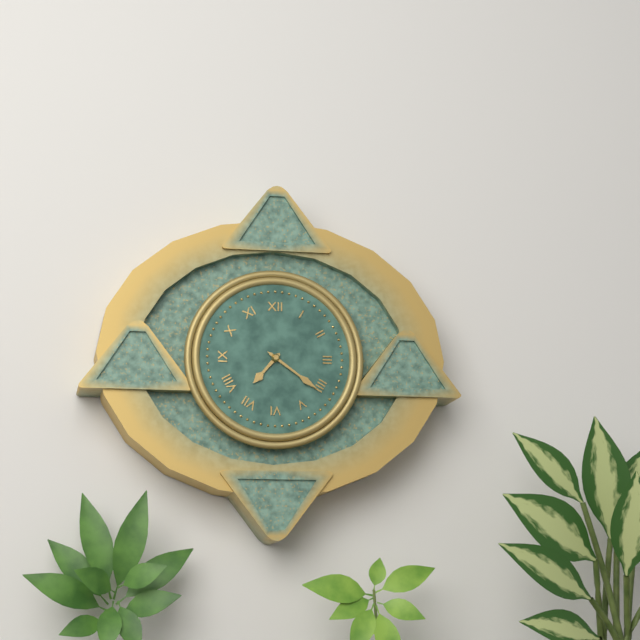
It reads 7.21
